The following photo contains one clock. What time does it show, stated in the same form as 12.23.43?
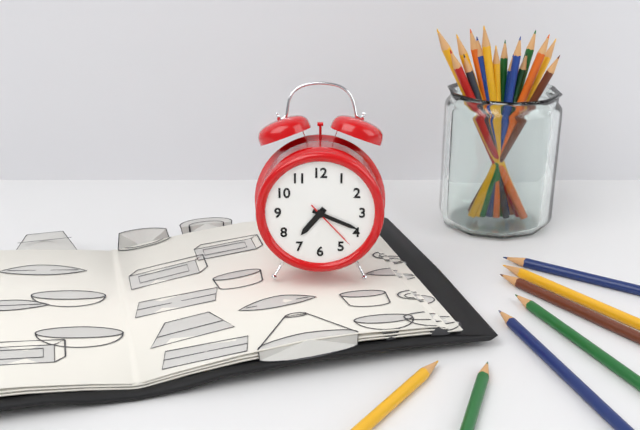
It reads 7.19.23
